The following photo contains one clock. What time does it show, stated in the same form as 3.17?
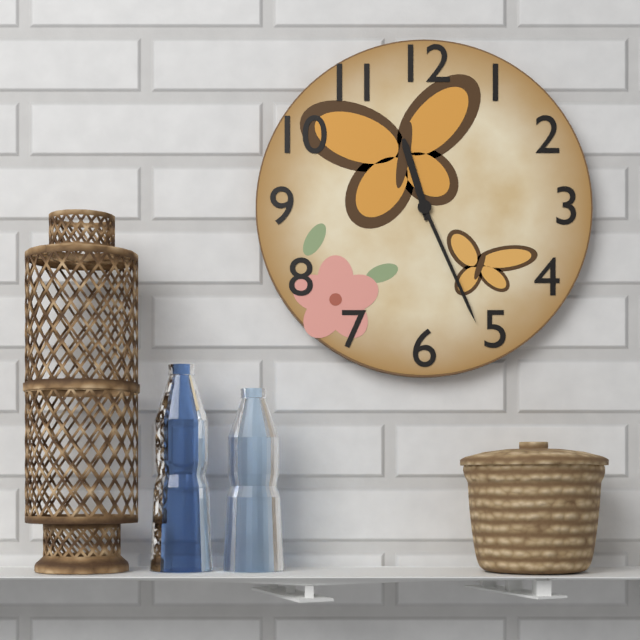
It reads 11.26
